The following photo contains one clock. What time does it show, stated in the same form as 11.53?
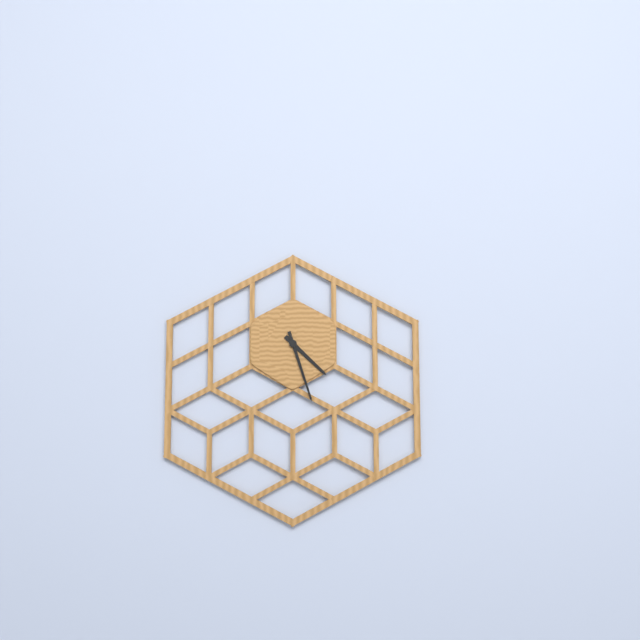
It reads 4.27
